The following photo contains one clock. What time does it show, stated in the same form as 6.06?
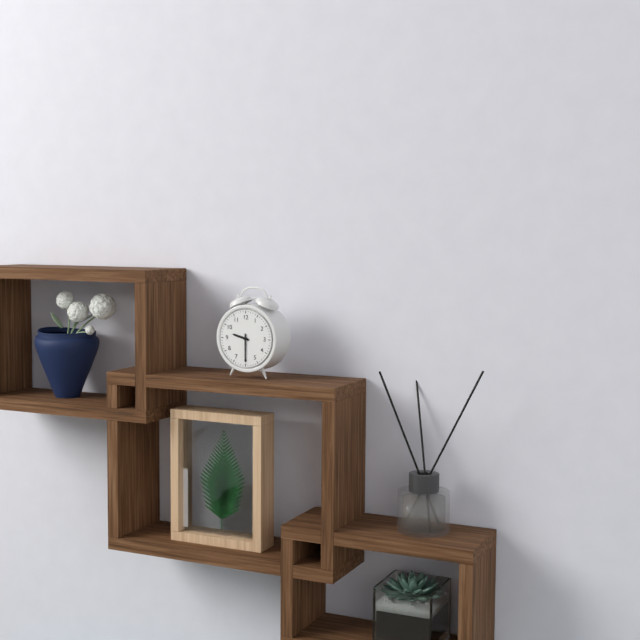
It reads 9.30
